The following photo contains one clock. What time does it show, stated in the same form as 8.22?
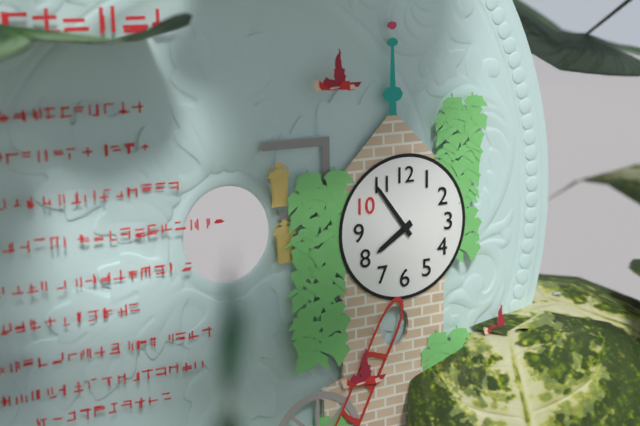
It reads 7.54
